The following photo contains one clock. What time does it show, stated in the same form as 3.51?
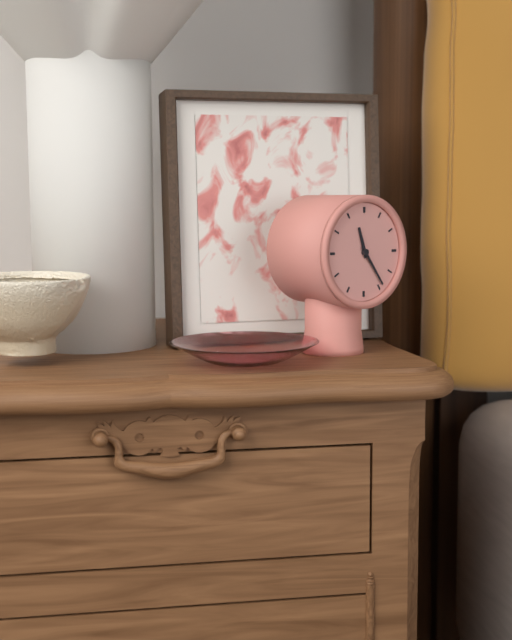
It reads 11.24
